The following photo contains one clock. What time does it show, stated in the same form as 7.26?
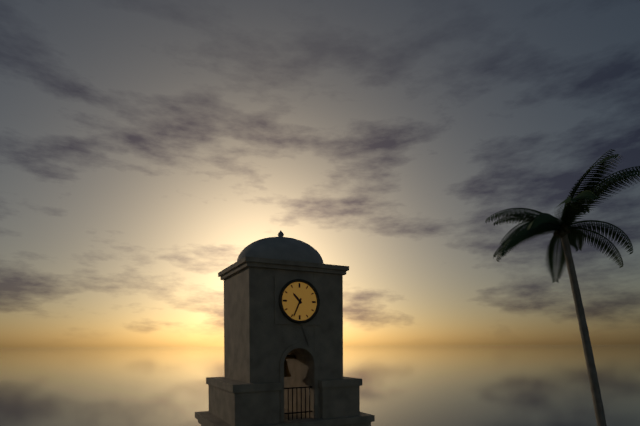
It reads 10.34
